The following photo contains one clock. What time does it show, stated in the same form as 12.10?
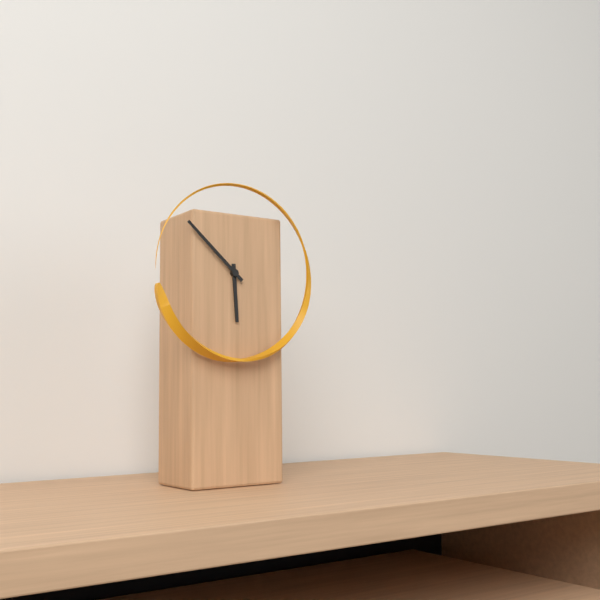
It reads 5.52
